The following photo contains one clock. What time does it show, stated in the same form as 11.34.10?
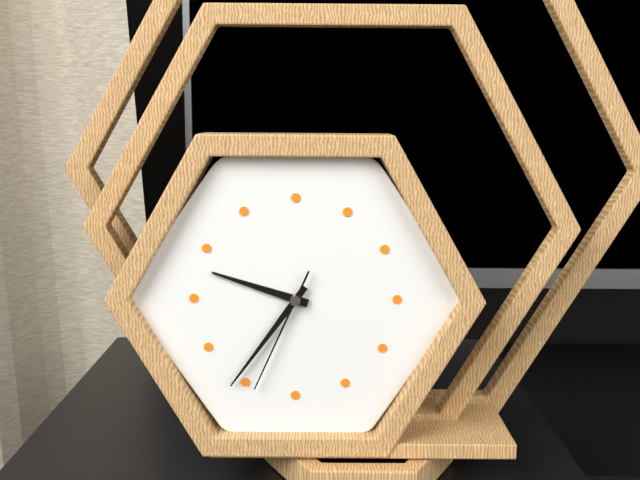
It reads 9.36.34
